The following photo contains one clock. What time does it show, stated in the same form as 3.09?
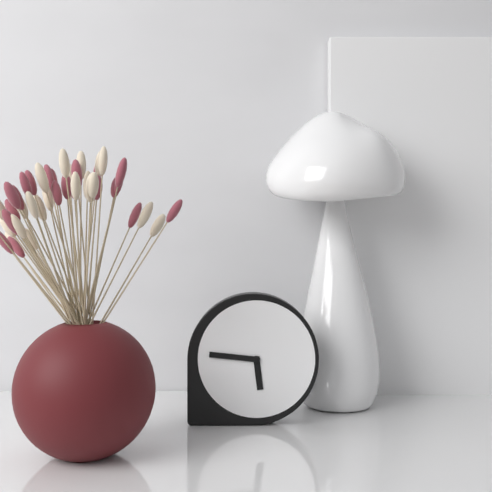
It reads 5.46
